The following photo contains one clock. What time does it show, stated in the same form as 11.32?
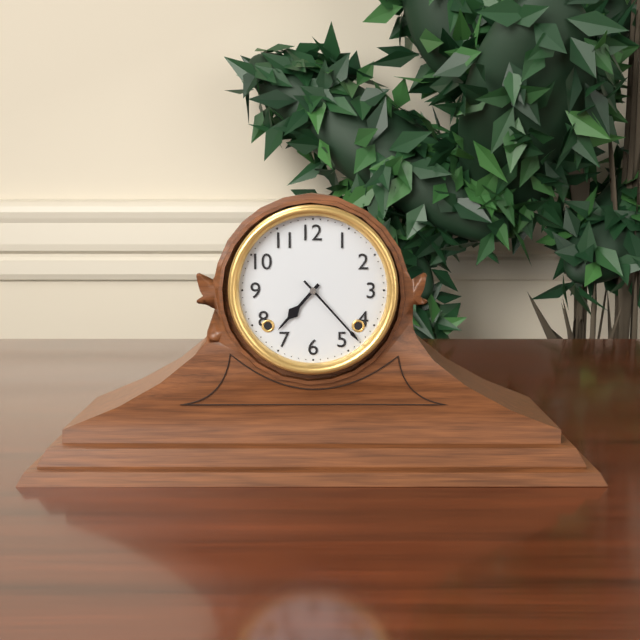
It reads 7.23
